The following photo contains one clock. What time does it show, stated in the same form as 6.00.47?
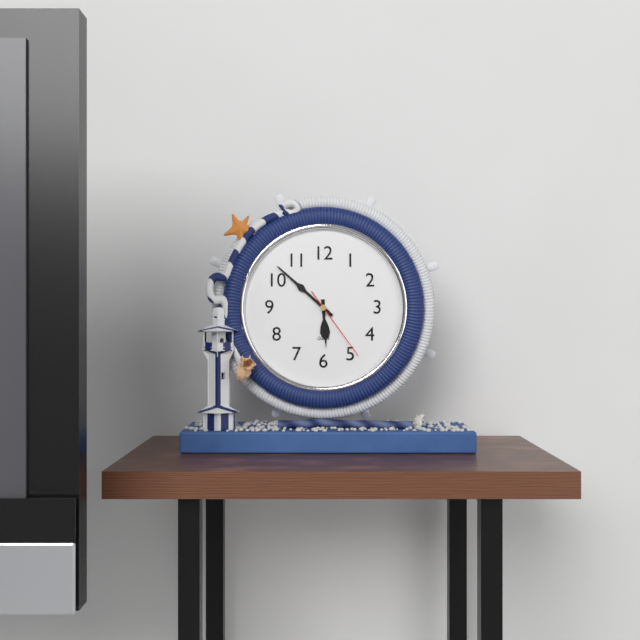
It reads 5.52.24
